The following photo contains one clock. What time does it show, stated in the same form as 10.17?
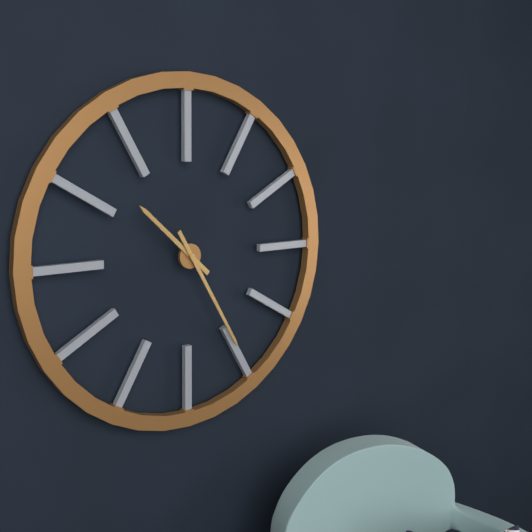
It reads 10.25
